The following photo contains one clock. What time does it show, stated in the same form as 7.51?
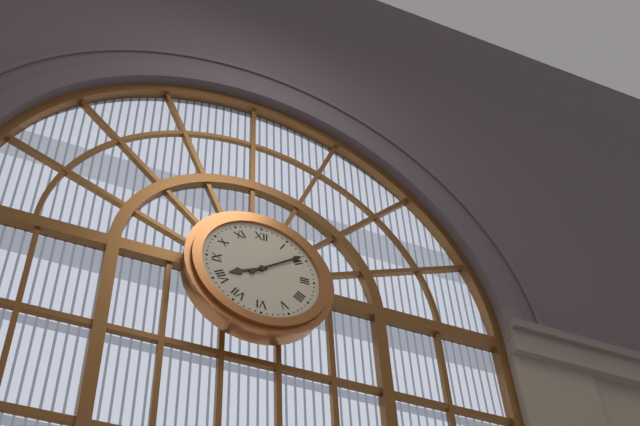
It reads 8.09
